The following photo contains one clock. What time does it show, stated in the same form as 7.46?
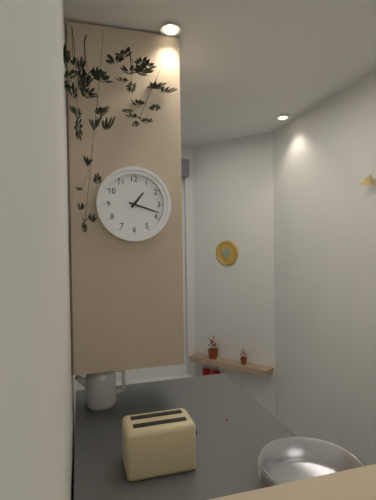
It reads 1.18
